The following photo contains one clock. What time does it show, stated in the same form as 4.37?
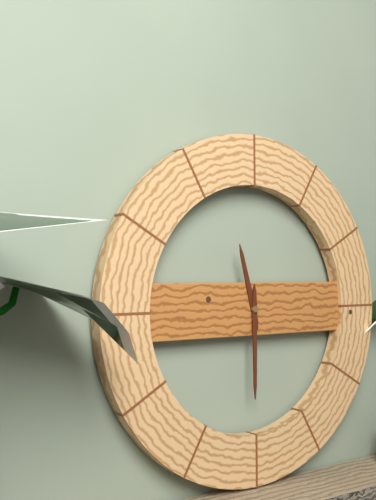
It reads 11.30
